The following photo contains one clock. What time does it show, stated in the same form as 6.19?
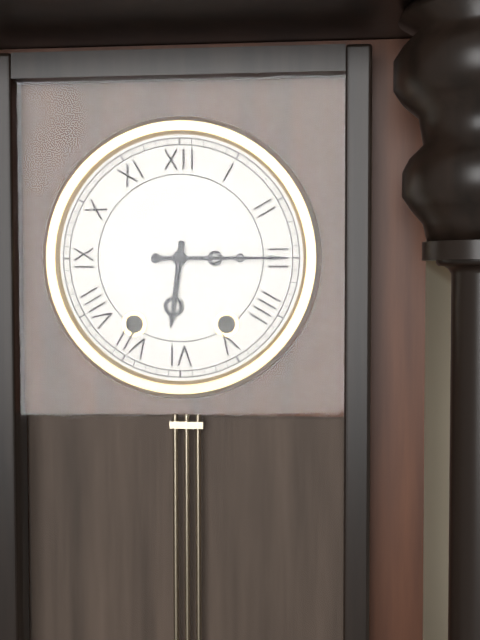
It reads 6.15
